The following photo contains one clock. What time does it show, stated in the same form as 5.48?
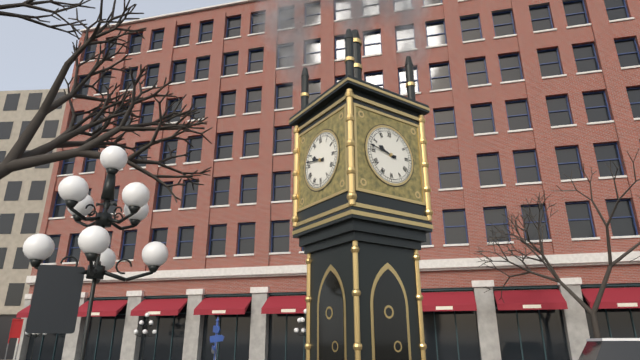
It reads 9.47
